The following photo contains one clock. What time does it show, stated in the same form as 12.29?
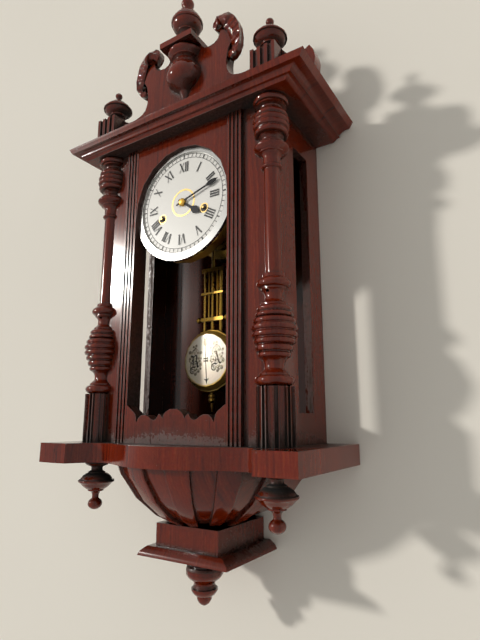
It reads 4.12
